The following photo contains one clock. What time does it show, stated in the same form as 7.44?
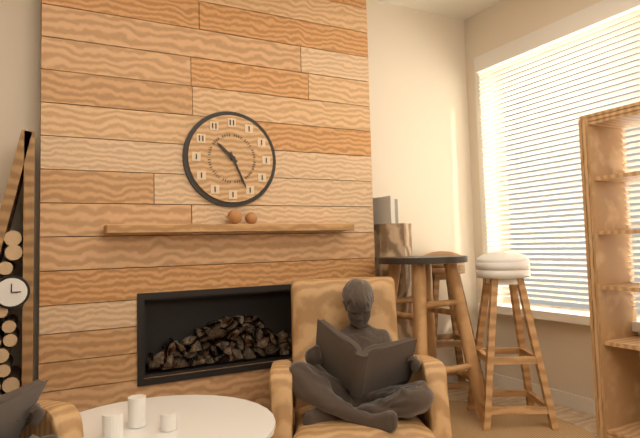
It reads 10.26
